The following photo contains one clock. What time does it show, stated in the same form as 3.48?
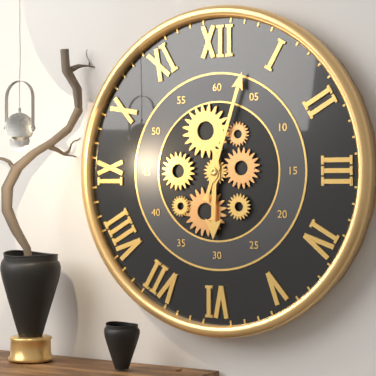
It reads 6.03
